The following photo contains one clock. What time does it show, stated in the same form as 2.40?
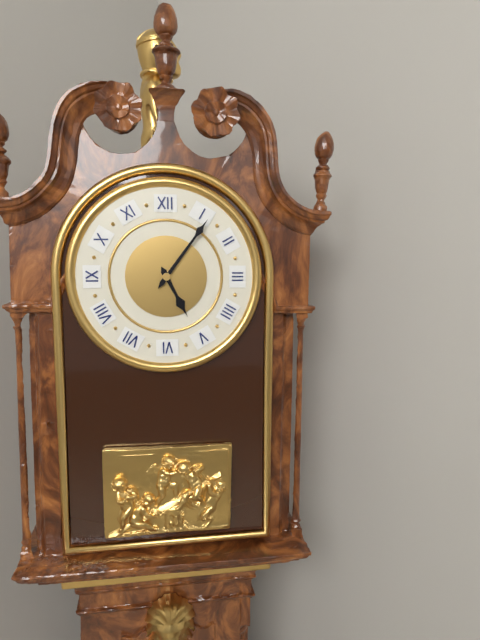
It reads 5.06
